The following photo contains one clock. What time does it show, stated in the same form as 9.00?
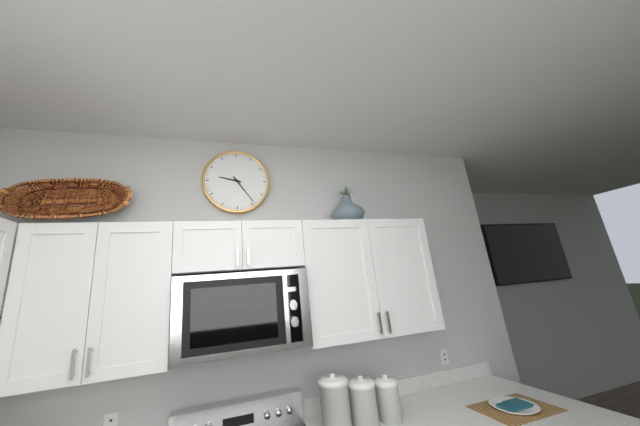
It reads 9.24
